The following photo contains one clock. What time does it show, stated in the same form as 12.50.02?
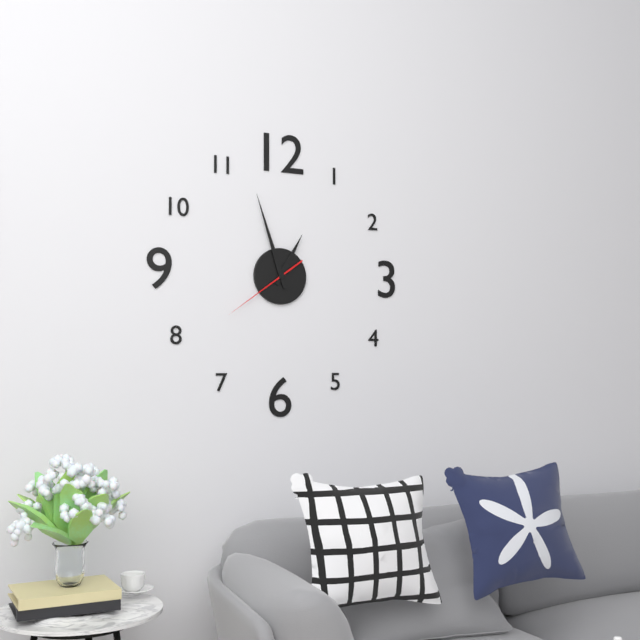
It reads 12.57.39
